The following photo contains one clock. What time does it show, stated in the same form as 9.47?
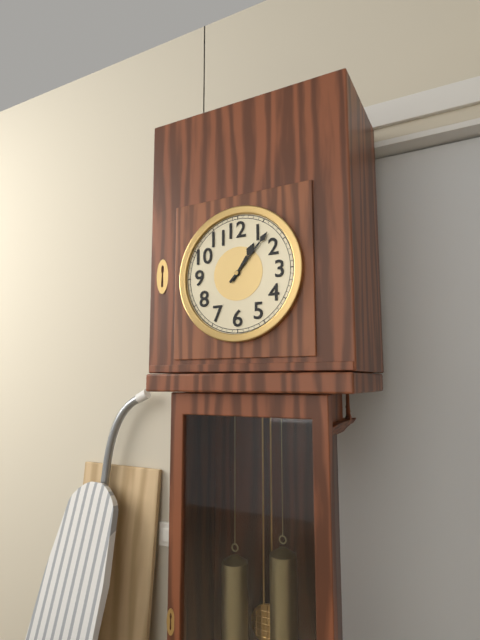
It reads 1.07
